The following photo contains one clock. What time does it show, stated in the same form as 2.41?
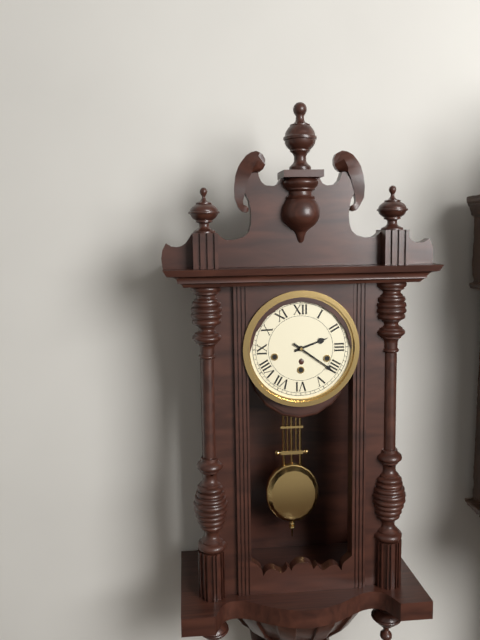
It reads 2.21
